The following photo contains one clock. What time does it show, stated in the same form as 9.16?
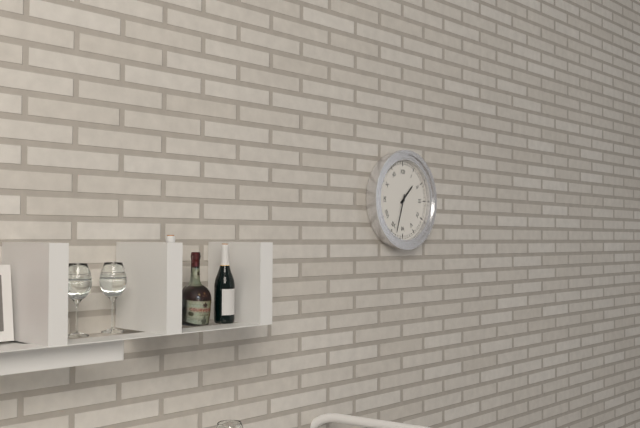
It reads 1.33
